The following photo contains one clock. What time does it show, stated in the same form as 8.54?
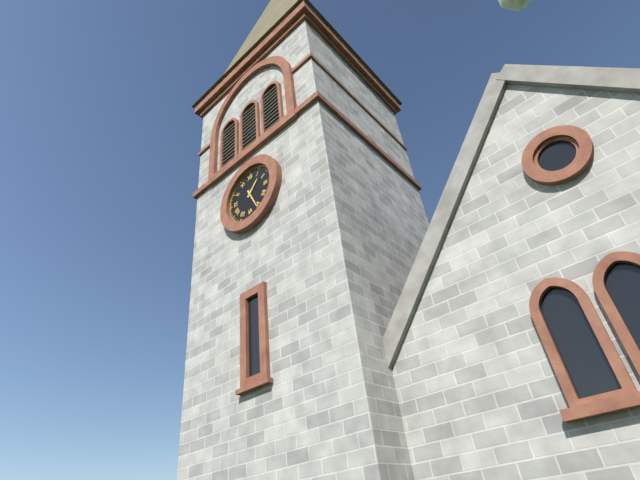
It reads 1.26
